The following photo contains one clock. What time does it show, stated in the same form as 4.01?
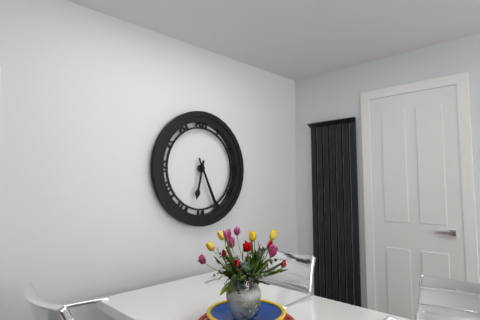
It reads 6.26
